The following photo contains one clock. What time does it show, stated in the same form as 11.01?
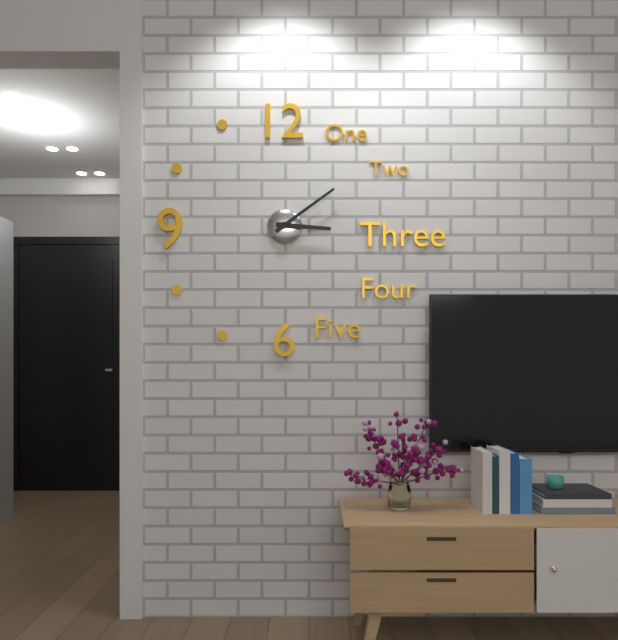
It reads 3.09
